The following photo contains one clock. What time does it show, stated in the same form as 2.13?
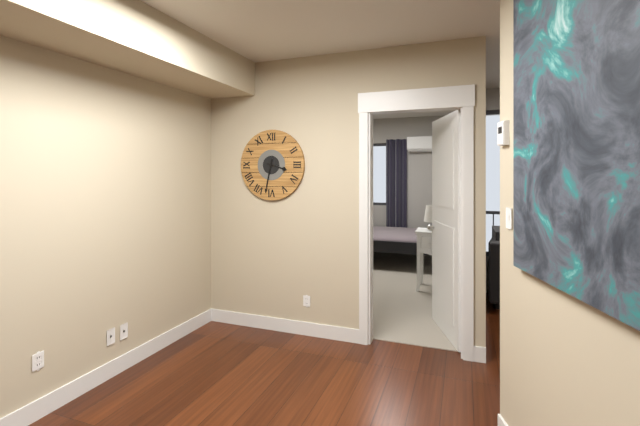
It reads 3.32
